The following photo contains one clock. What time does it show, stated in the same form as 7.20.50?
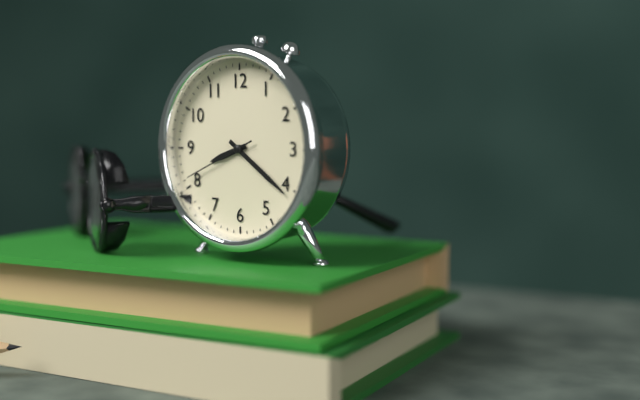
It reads 8.21.41
